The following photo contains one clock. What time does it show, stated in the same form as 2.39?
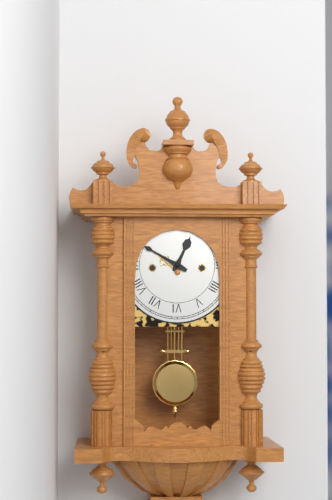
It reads 12.50
